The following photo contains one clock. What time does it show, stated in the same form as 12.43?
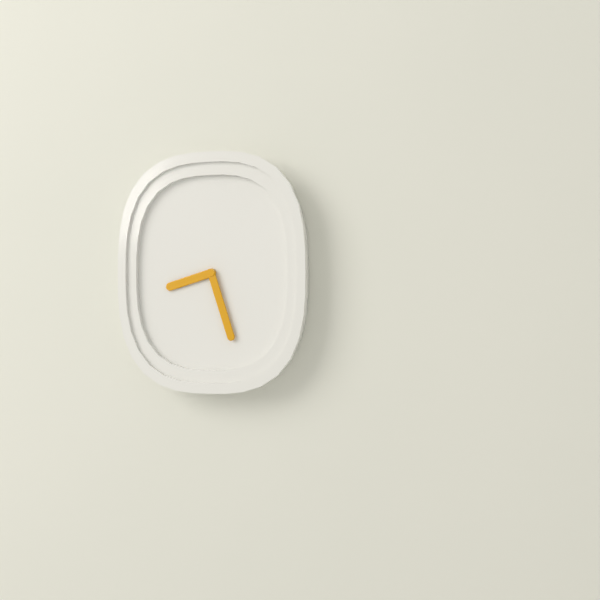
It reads 8.27
